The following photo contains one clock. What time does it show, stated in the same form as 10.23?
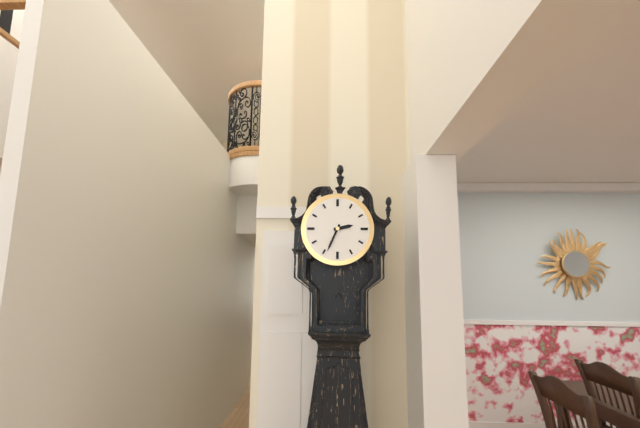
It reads 2.34
